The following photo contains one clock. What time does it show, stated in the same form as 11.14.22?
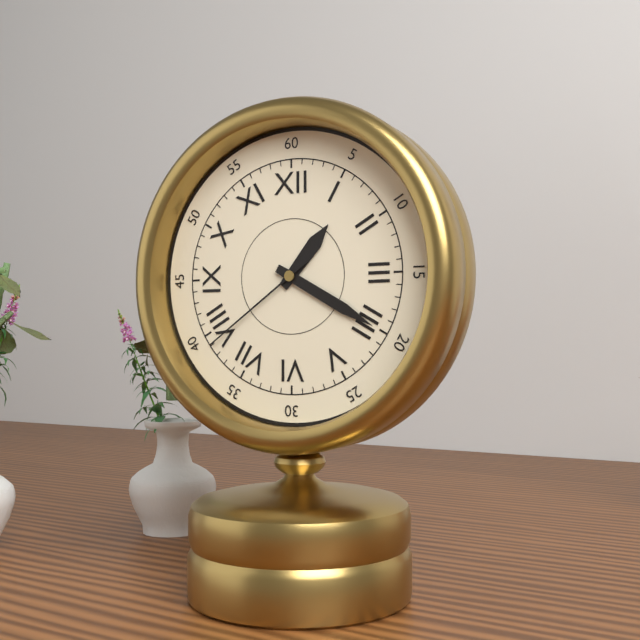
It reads 1.20.39
